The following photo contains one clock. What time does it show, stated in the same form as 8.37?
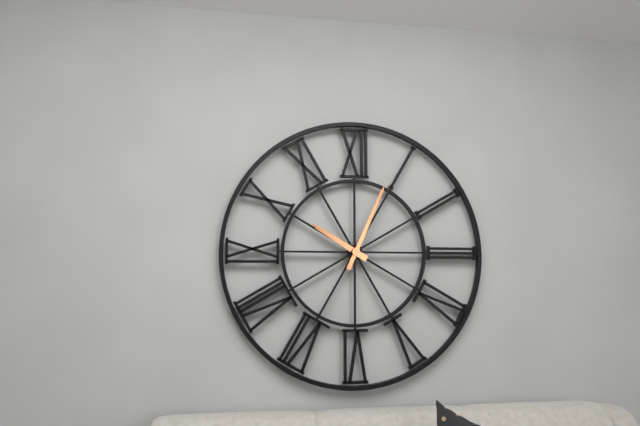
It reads 10.04
